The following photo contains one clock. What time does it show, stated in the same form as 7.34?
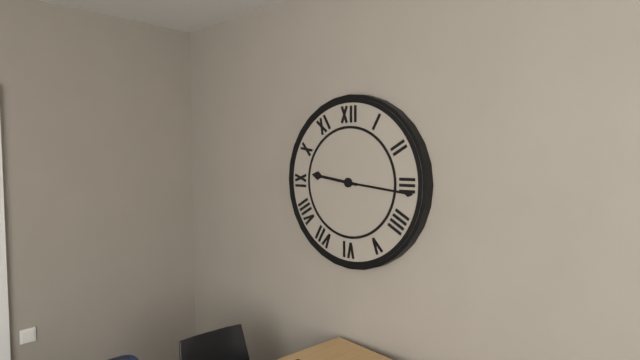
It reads 9.16
